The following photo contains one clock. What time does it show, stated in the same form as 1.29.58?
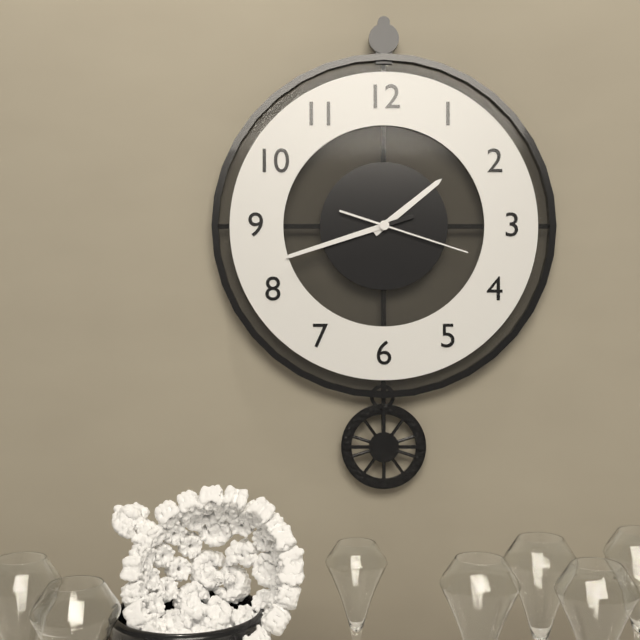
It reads 1.42.18
